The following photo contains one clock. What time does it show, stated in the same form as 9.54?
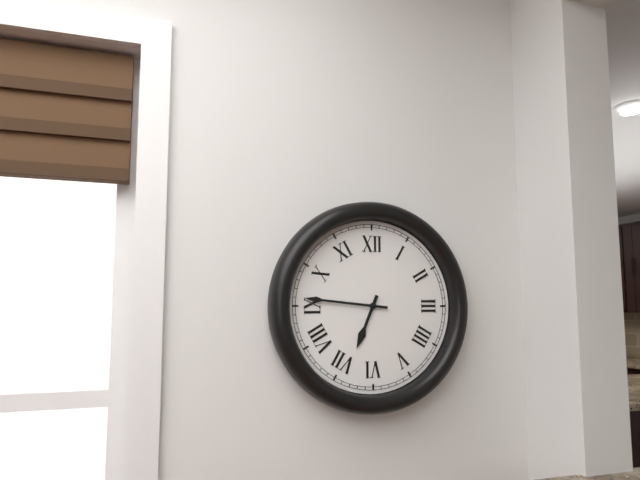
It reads 6.46
